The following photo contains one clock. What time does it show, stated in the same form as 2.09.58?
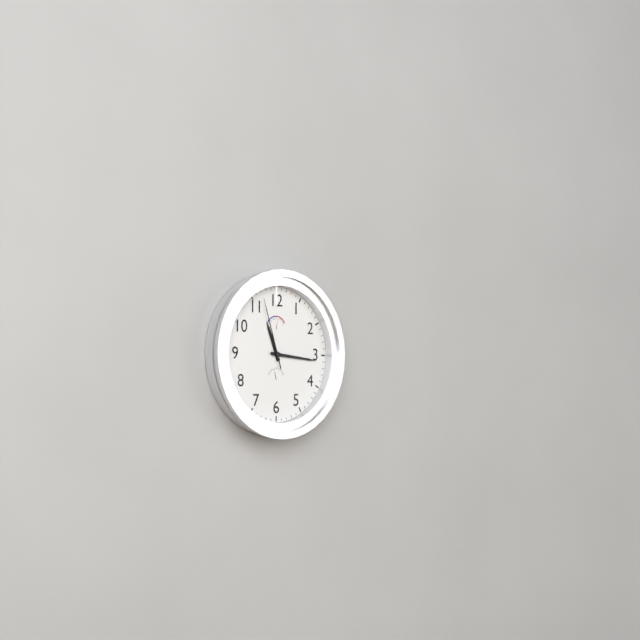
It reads 11.16.57
